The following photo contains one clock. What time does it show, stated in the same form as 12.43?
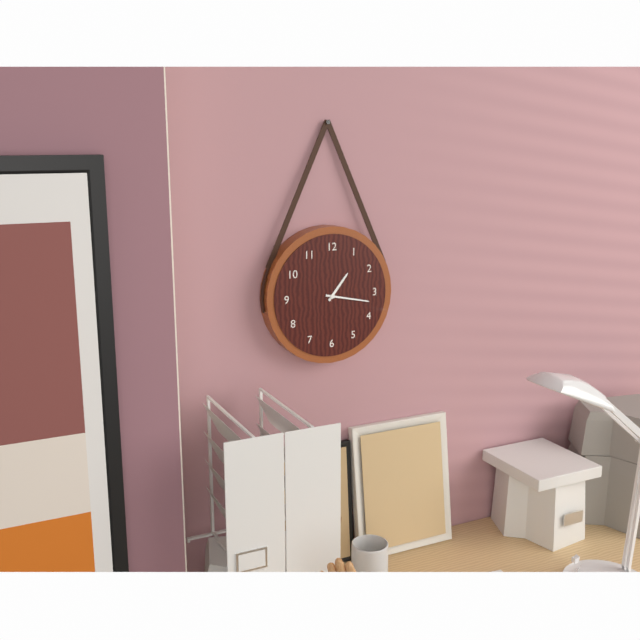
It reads 1.17
